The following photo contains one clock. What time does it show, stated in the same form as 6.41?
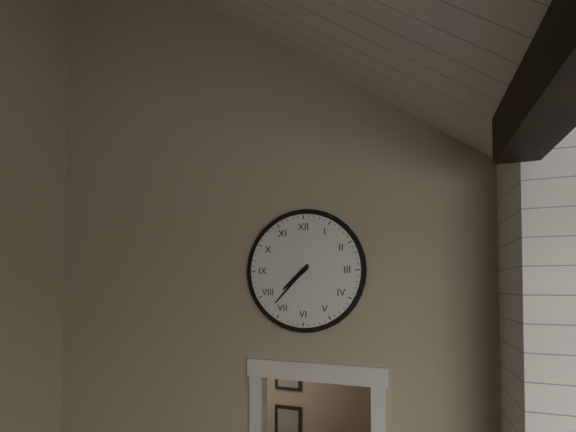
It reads 7.37
